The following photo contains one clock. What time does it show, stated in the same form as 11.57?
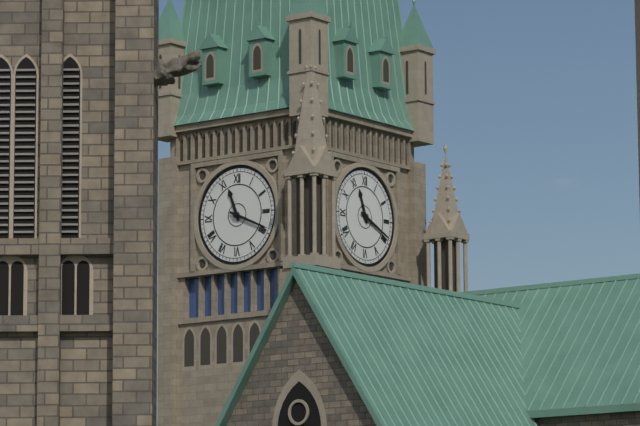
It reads 11.19
